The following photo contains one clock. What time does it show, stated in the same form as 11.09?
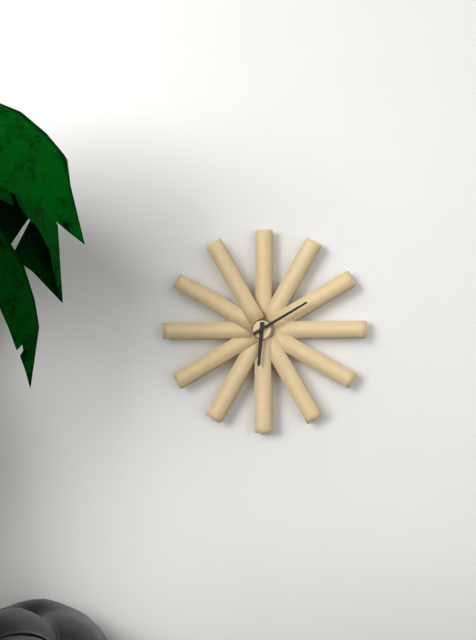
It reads 6.10
